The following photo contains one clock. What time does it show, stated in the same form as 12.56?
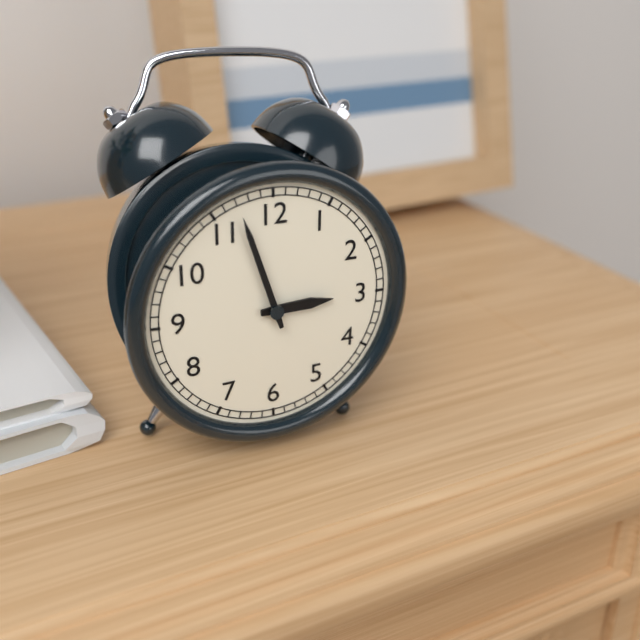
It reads 2.57
